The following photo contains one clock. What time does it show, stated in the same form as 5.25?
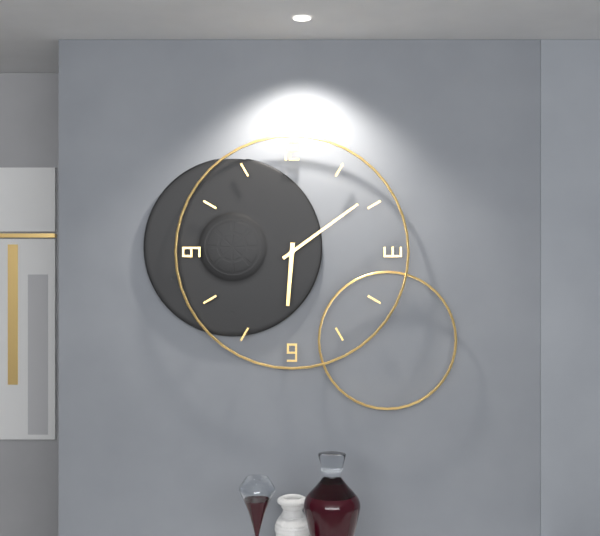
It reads 6.09
